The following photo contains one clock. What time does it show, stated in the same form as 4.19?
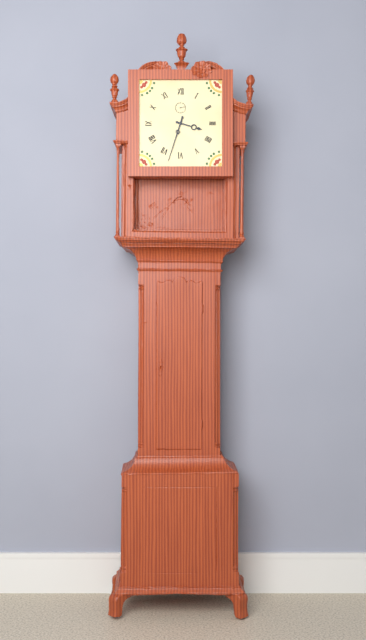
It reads 3.33
